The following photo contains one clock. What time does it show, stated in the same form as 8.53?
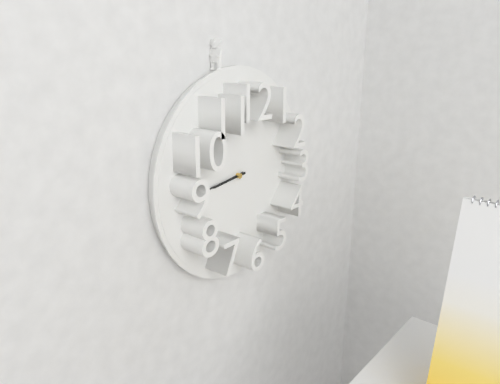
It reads 8.44
